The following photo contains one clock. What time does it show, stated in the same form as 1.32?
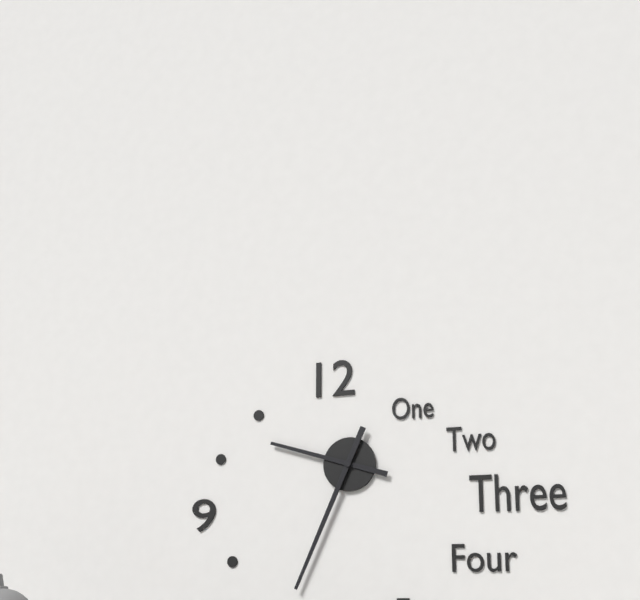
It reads 9.34
